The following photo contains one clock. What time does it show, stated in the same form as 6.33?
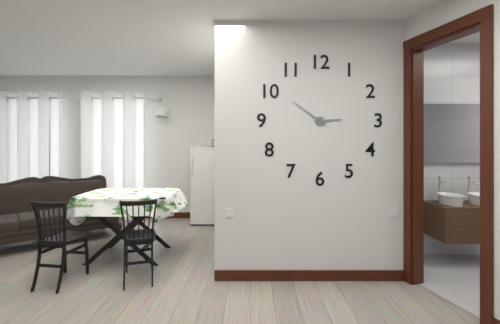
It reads 2.51
